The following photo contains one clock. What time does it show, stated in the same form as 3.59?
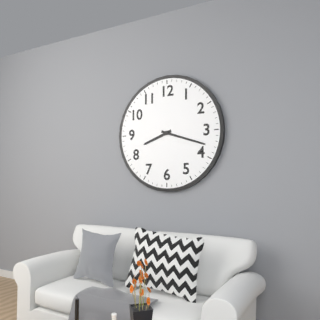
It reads 8.18
